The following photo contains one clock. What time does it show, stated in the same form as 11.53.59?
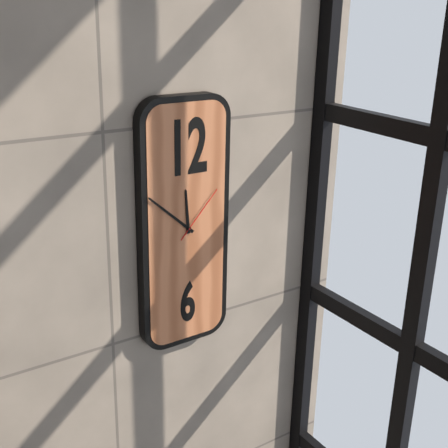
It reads 11.52.07
